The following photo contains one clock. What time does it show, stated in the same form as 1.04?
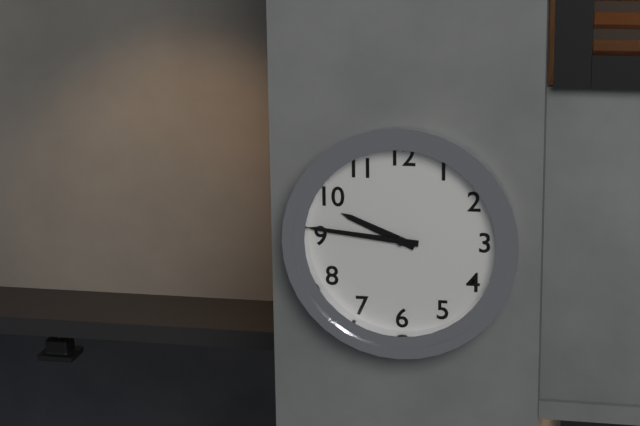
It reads 9.46
